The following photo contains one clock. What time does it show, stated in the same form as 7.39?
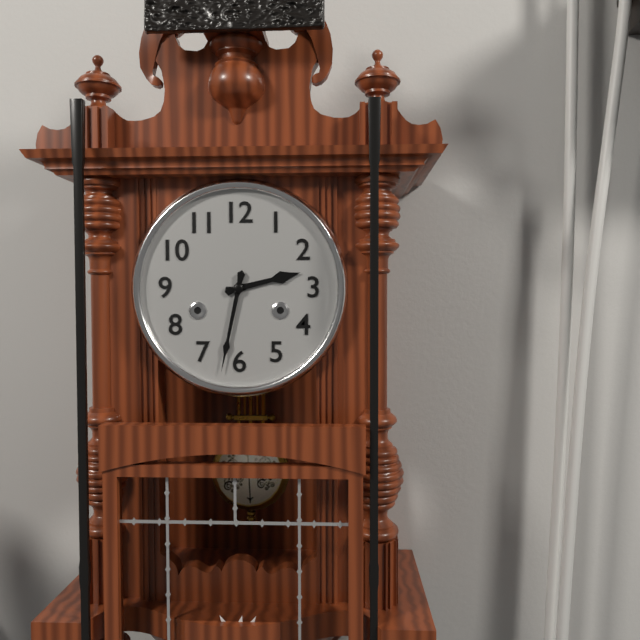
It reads 2.32
